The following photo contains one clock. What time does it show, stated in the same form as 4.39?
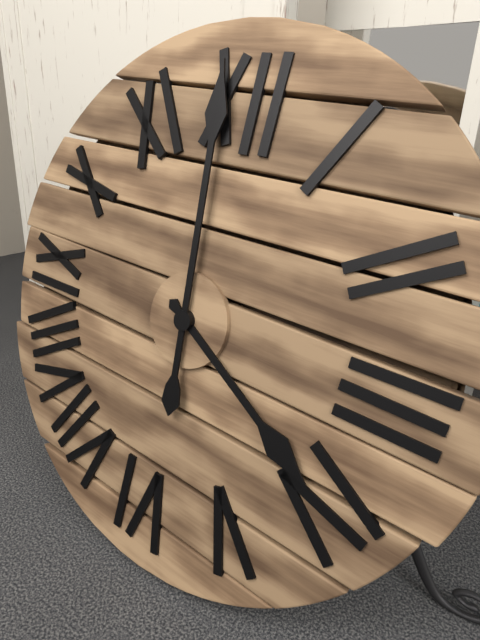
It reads 3.59
